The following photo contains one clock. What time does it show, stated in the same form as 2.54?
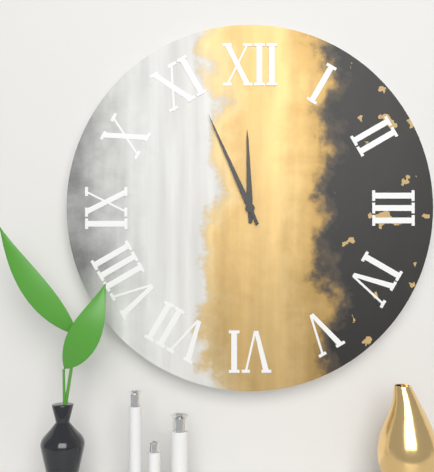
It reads 11.56
